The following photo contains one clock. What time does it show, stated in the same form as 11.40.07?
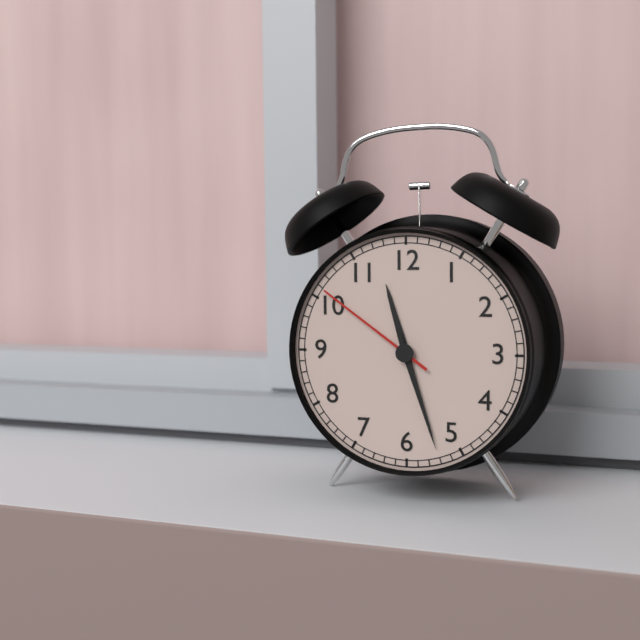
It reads 11.27.51
